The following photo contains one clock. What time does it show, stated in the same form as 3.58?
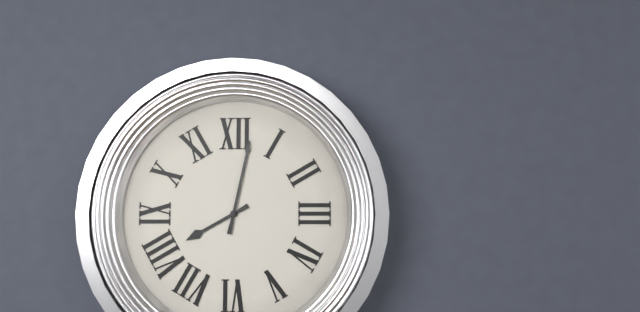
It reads 8.02
